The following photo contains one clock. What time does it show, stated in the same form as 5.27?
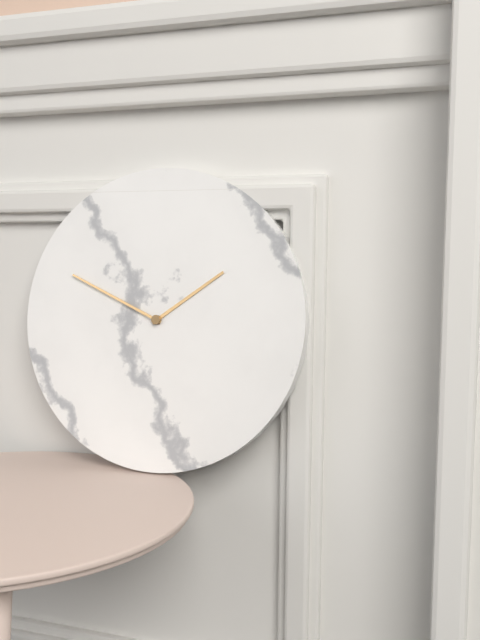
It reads 1.49
